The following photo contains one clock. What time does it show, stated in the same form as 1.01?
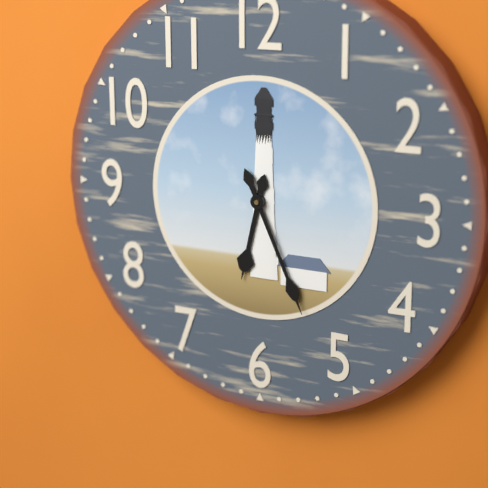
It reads 6.26
